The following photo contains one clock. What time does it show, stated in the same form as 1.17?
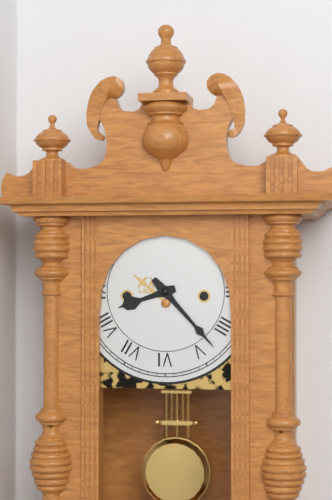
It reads 8.23
